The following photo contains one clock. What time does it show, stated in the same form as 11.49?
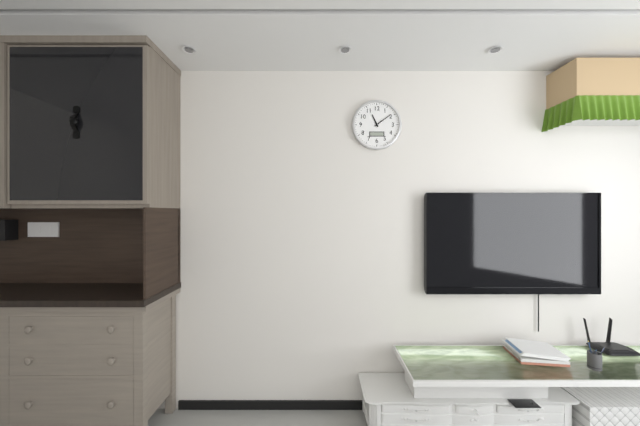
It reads 11.09
